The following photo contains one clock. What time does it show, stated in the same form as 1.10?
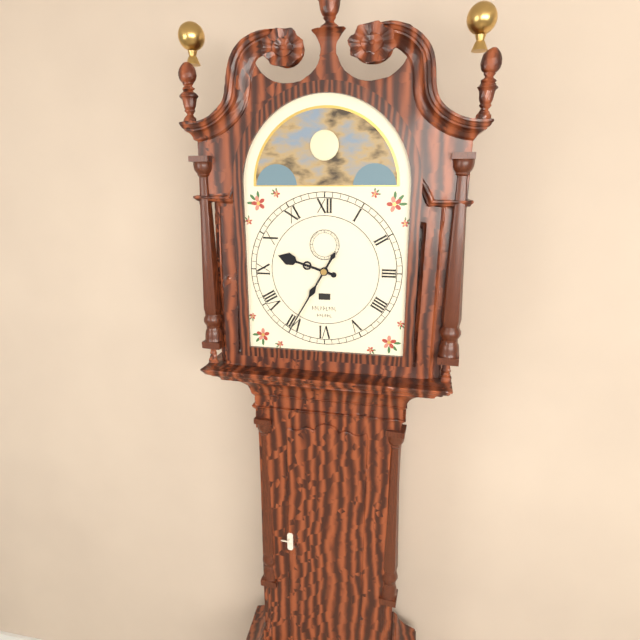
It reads 9.35
